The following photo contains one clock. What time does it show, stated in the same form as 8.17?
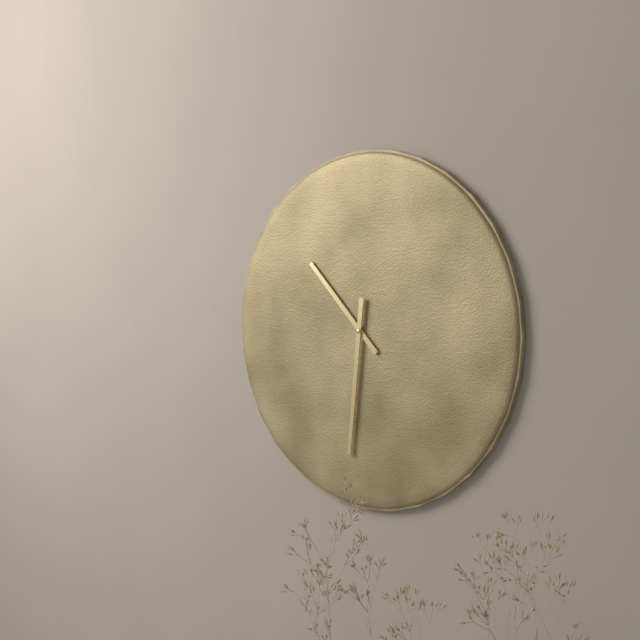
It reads 10.31
